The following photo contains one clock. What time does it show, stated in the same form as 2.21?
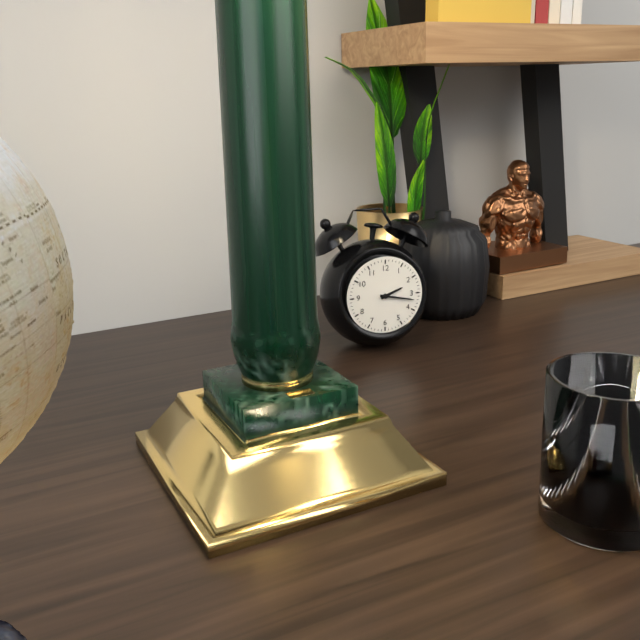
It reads 2.17
